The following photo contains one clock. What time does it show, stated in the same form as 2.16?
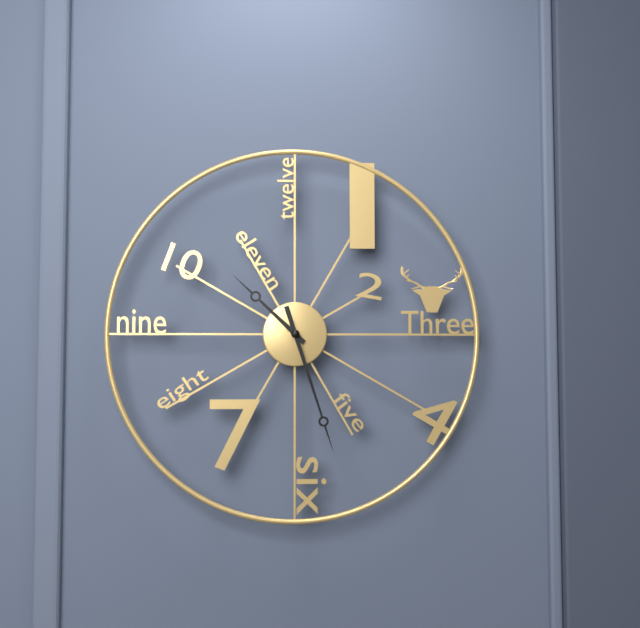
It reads 10.27
